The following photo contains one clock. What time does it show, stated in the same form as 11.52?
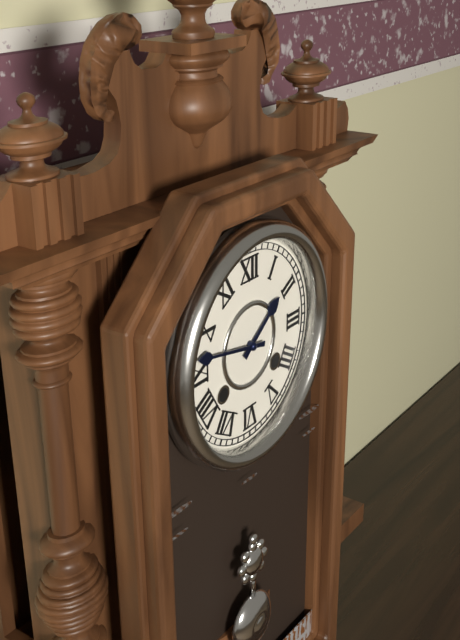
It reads 1.47
